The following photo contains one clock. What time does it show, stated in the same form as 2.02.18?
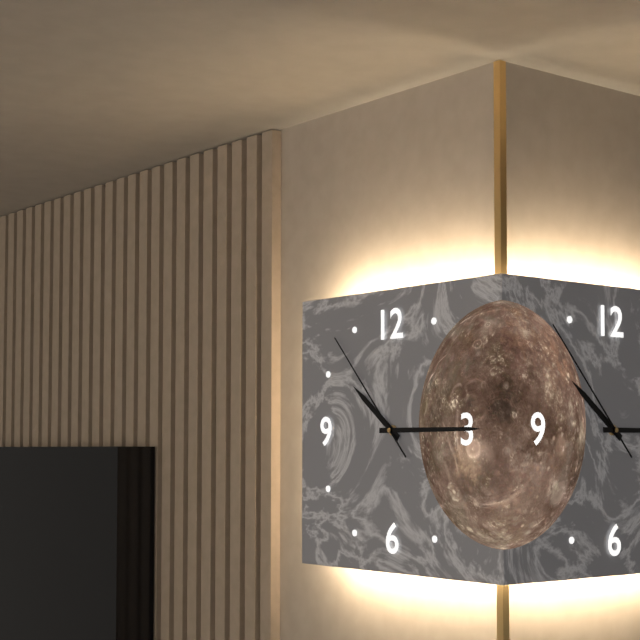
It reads 10.15.53
